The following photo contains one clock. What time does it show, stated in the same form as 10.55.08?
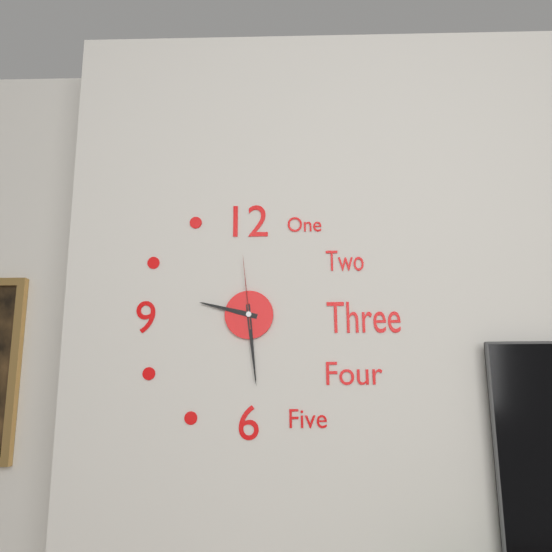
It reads 9.29.59
